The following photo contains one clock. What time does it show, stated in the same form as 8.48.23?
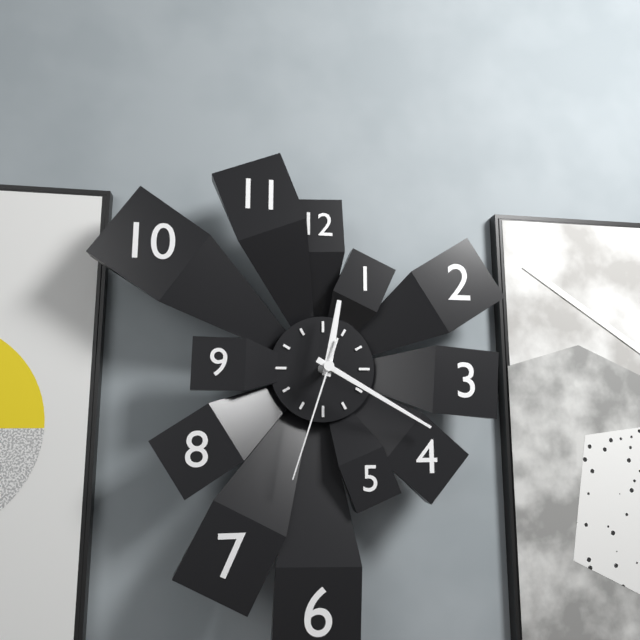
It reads 12.20.33
